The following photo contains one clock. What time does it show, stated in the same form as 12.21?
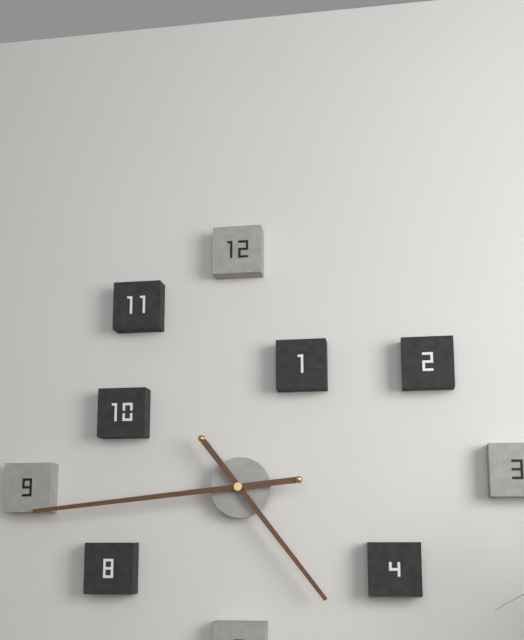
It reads 4.44
